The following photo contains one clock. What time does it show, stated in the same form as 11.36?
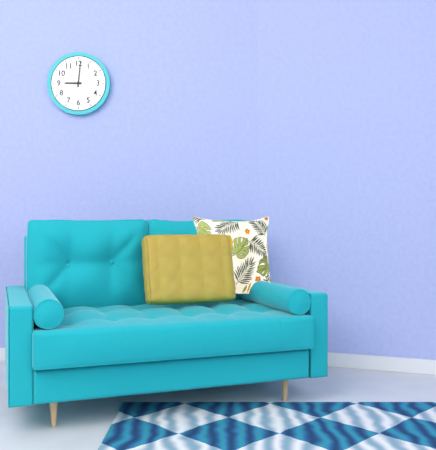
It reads 9.01
